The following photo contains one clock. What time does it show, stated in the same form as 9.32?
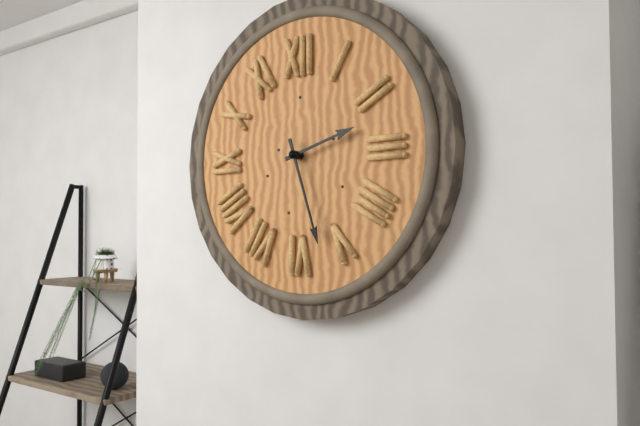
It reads 2.27
